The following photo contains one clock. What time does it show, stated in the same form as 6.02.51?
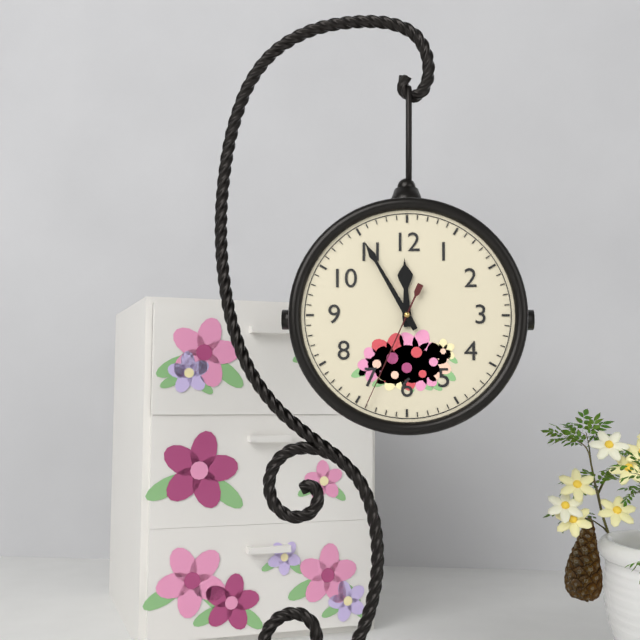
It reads 11.55.34
